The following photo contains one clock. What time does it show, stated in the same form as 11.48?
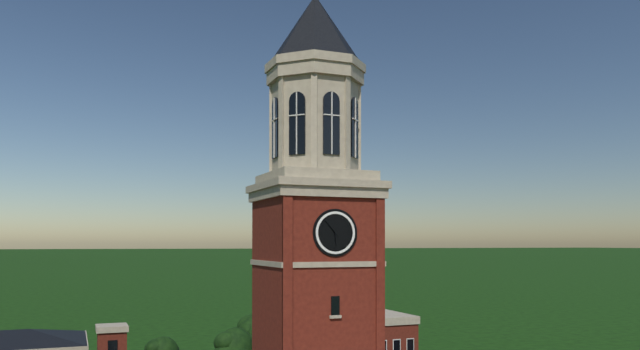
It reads 5.53
